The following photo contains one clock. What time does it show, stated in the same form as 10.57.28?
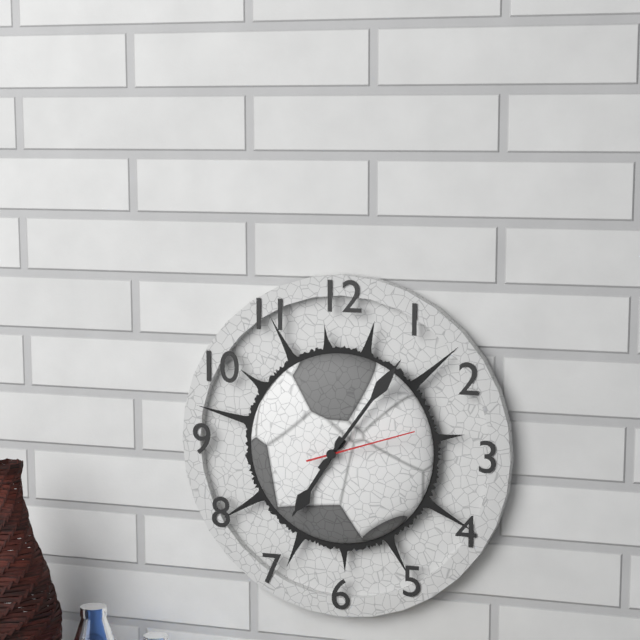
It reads 7.06.12
